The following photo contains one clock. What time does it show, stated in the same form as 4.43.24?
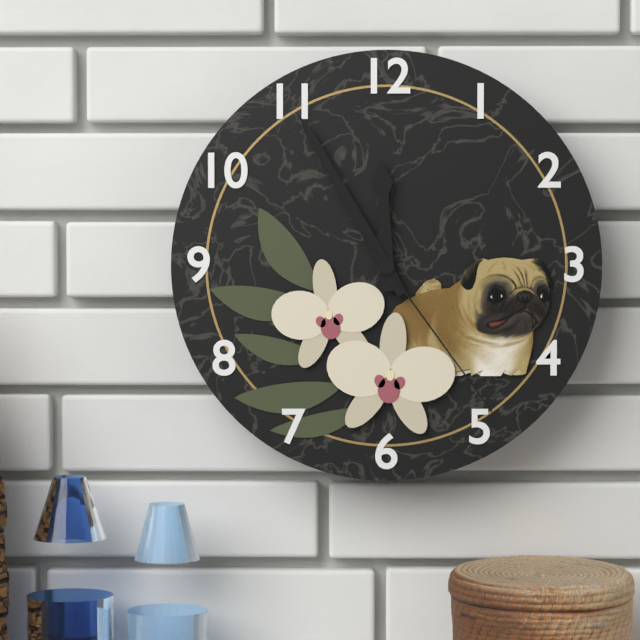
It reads 11.55.24
